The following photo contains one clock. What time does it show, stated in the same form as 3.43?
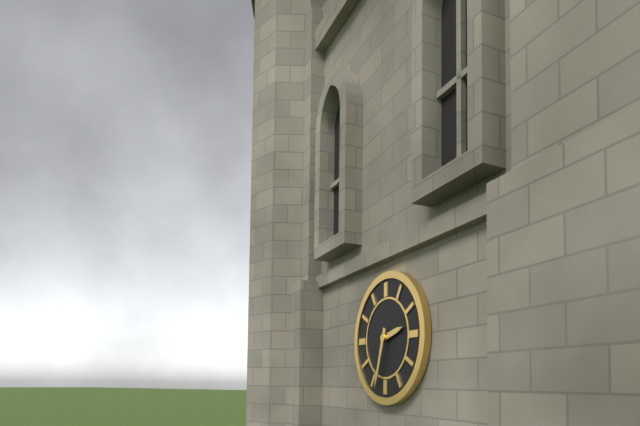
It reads 2.33
